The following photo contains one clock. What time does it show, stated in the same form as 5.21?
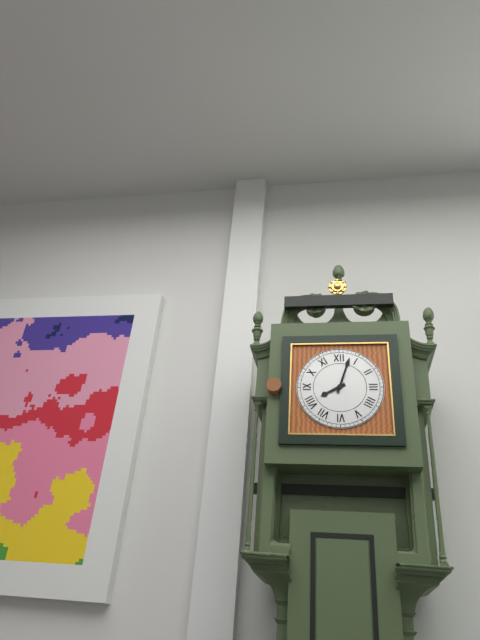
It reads 8.03
